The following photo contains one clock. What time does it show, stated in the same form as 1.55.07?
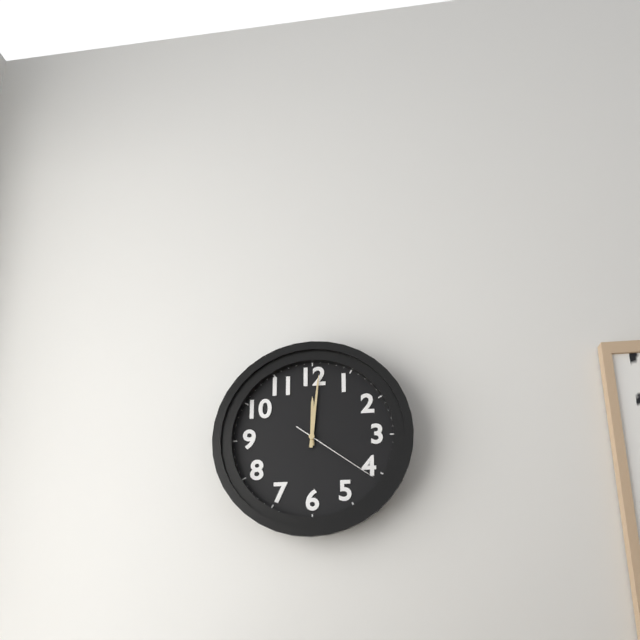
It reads 12.01.21
